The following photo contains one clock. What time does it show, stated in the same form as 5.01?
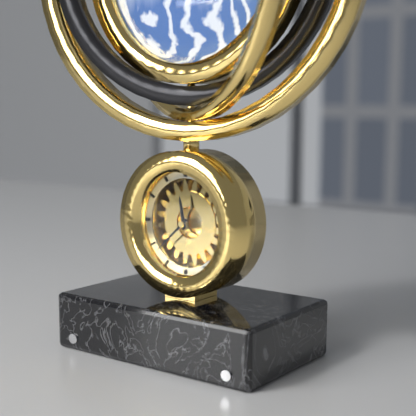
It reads 11.38
